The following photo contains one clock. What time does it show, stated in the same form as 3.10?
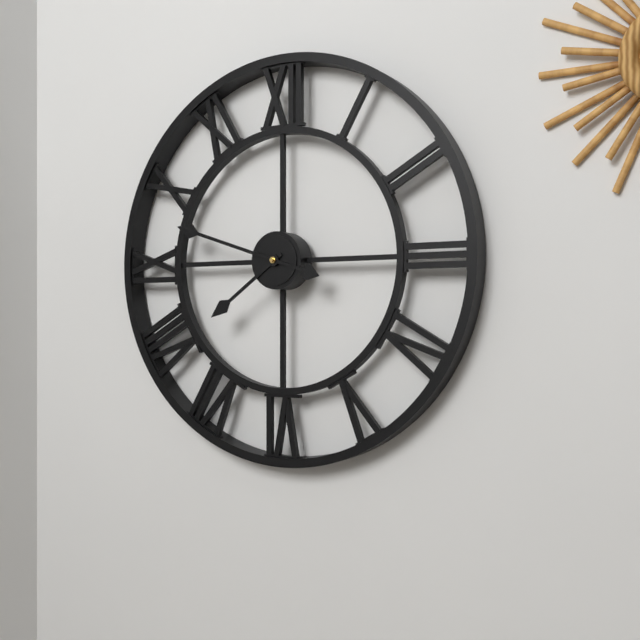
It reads 7.48
